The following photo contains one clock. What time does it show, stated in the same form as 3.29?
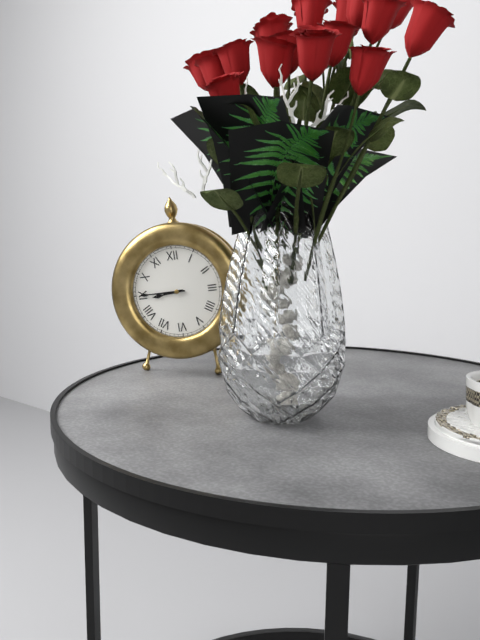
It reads 8.45
